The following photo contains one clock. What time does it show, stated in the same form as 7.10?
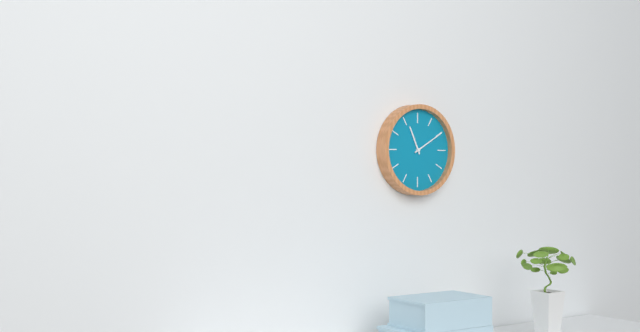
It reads 11.10
